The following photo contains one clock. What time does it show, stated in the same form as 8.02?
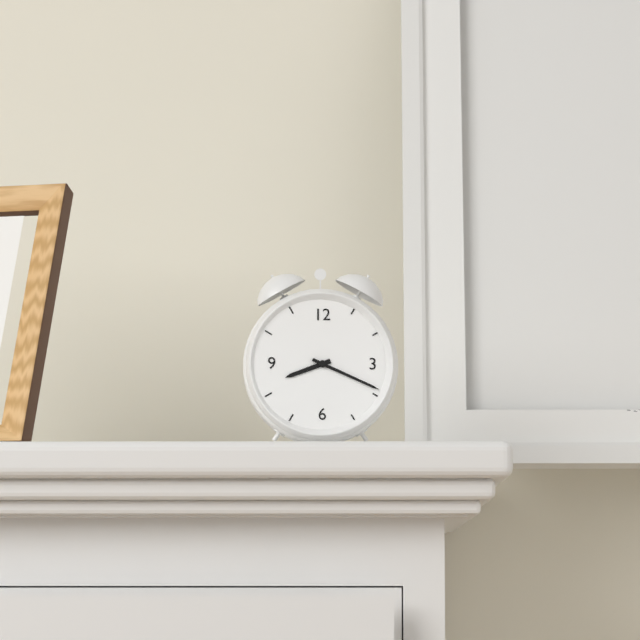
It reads 8.19
